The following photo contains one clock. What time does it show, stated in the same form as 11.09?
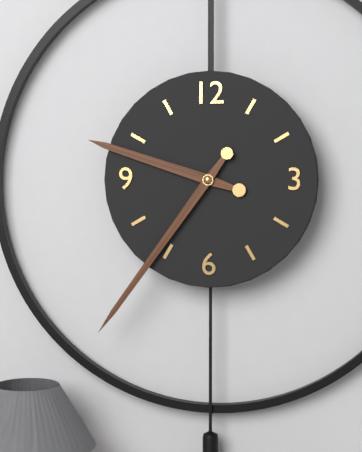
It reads 9.36
